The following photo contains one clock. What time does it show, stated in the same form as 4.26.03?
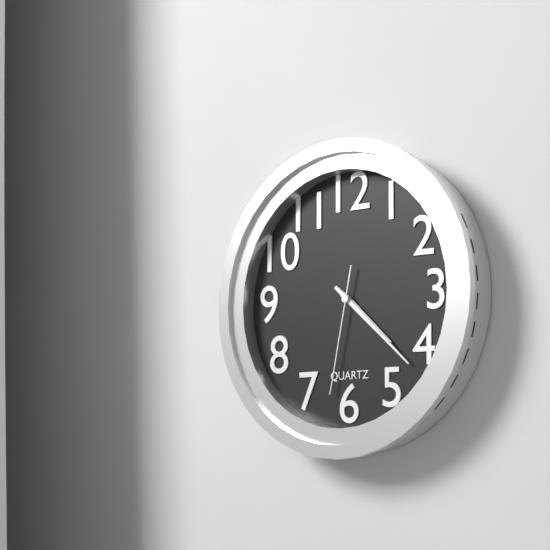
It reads 4.22.32
